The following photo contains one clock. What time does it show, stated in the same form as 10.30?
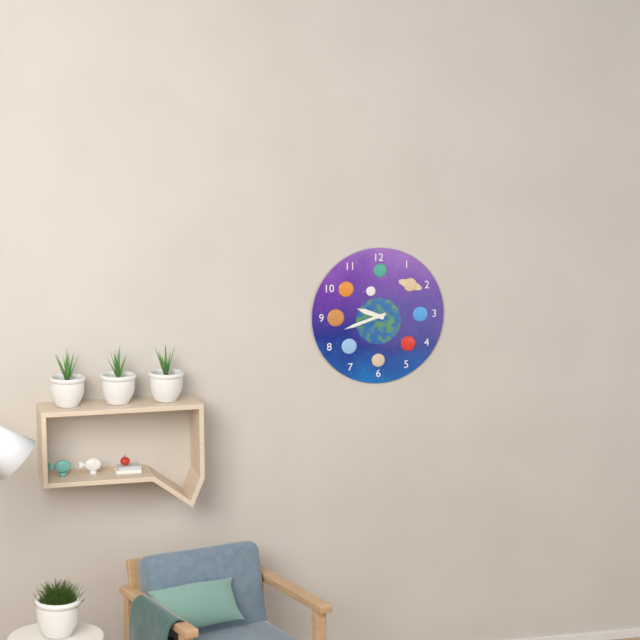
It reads 9.42
